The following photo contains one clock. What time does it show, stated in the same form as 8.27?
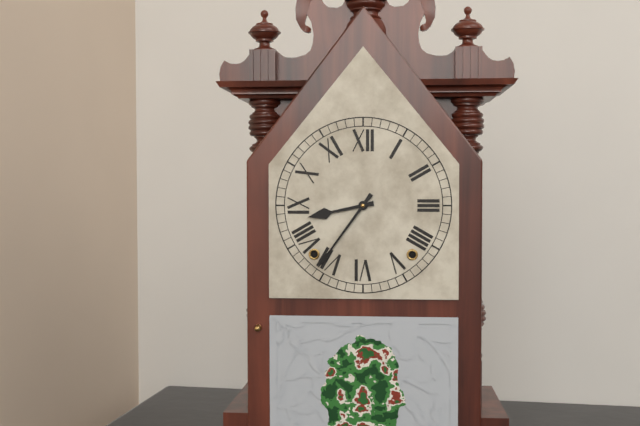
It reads 8.36
